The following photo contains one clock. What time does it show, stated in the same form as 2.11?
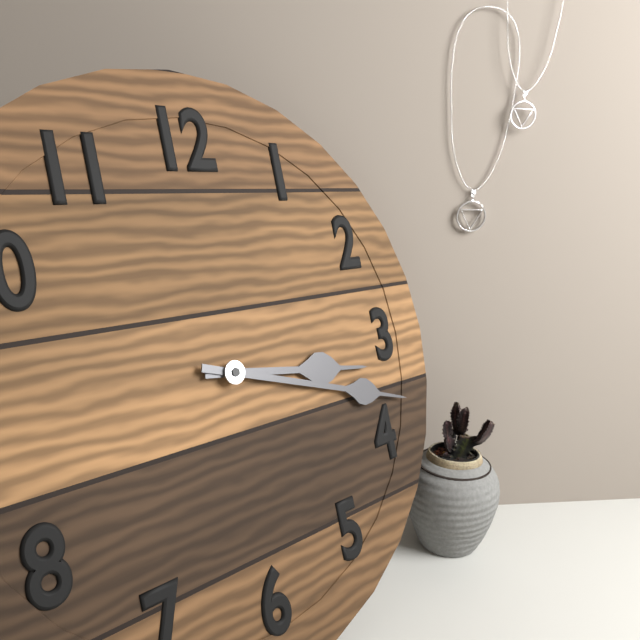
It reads 3.18
